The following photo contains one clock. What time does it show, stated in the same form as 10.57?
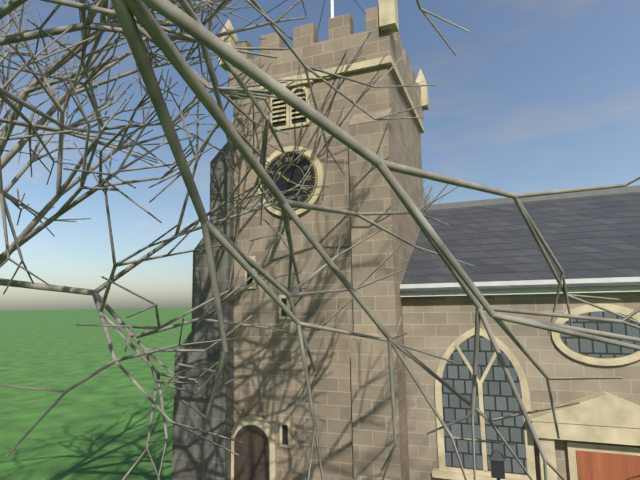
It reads 10.20
